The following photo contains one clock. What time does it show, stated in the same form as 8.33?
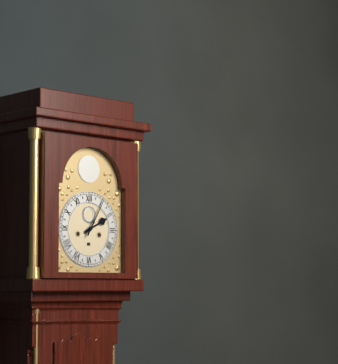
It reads 2.05
